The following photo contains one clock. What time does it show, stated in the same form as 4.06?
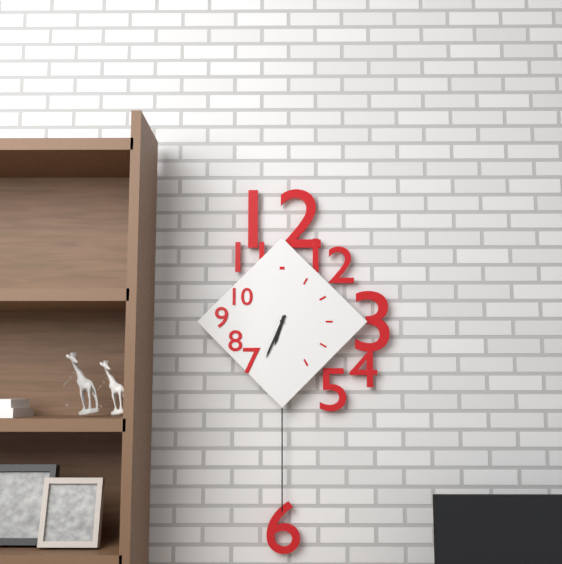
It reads 6.34
